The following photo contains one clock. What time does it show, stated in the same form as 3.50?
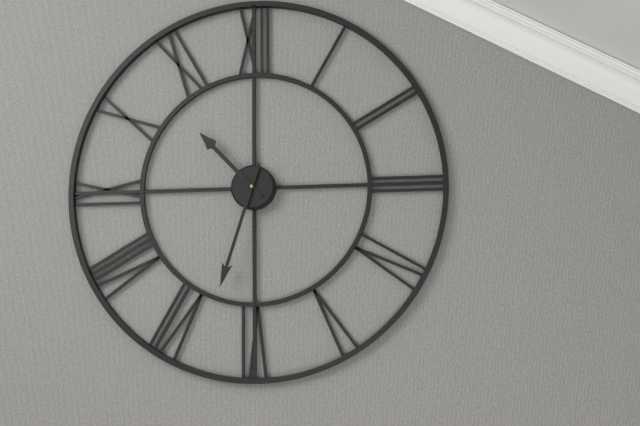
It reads 10.33
